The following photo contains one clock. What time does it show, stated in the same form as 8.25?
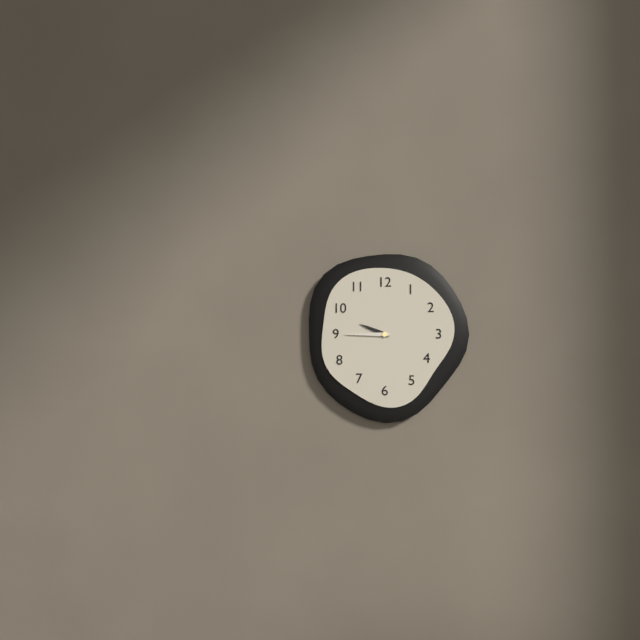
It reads 9.45
